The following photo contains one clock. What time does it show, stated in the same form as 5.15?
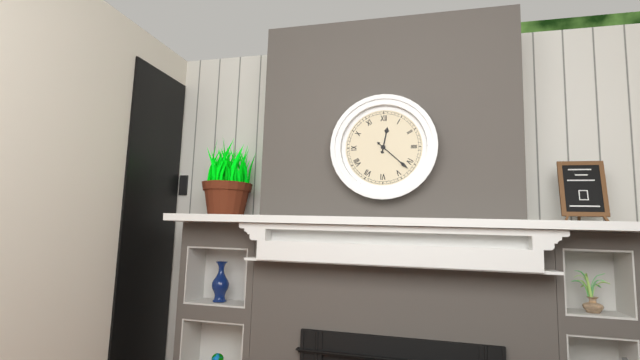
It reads 12.22
